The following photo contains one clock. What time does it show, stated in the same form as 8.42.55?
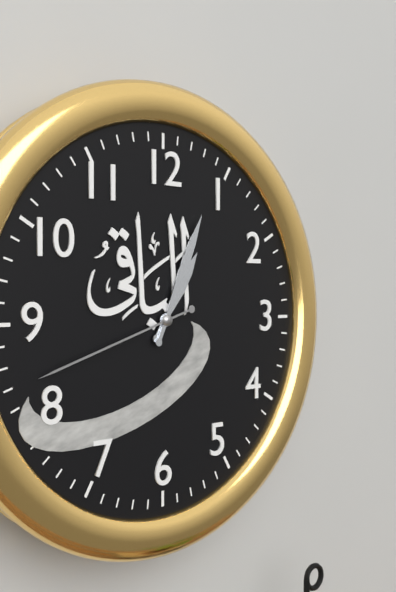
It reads 1.04.42
